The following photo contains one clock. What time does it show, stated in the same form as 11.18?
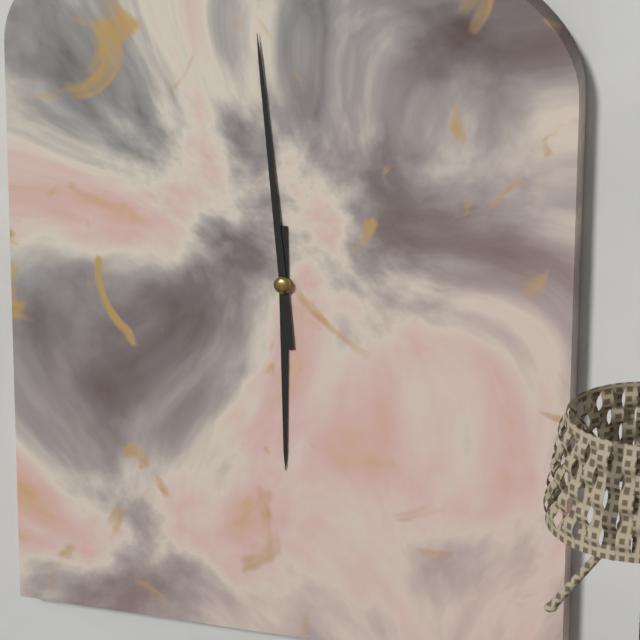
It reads 5.59
